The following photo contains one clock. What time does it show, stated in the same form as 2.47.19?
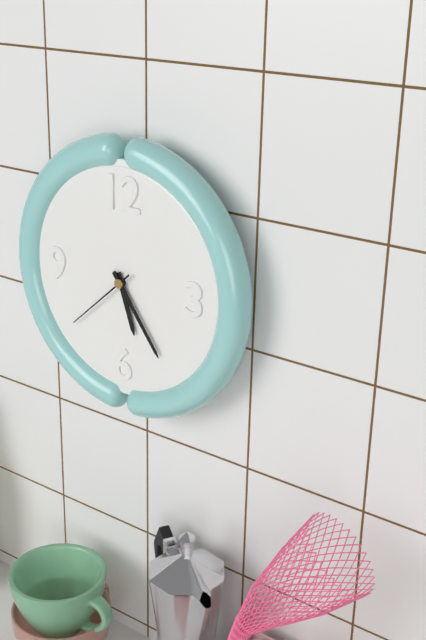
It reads 5.24.38
